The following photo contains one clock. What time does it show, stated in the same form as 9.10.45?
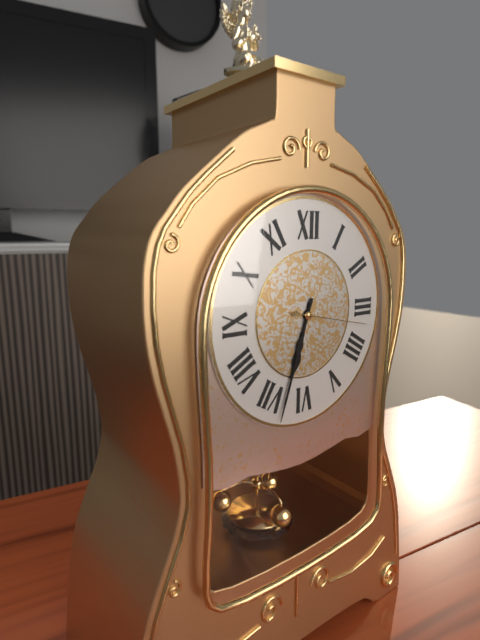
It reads 6.33.17
